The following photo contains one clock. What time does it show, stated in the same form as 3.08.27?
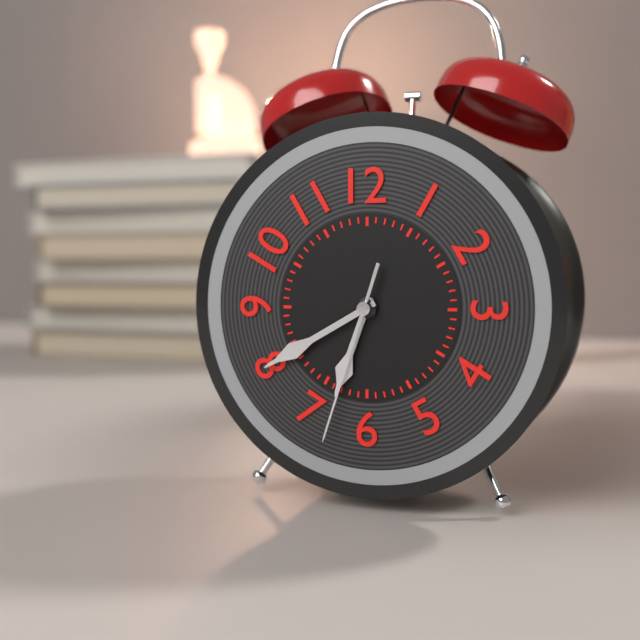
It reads 6.40.33
